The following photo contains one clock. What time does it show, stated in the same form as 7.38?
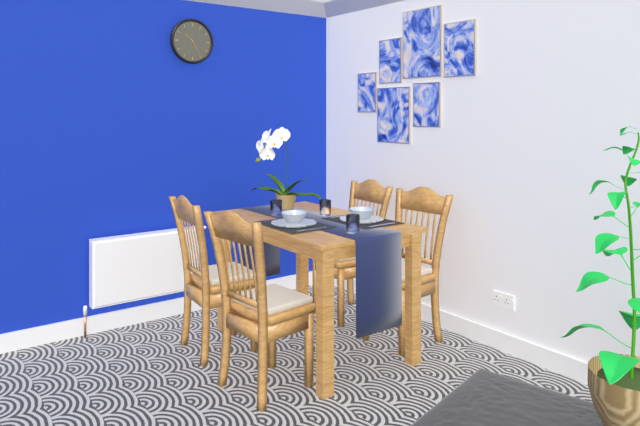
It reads 10.25
